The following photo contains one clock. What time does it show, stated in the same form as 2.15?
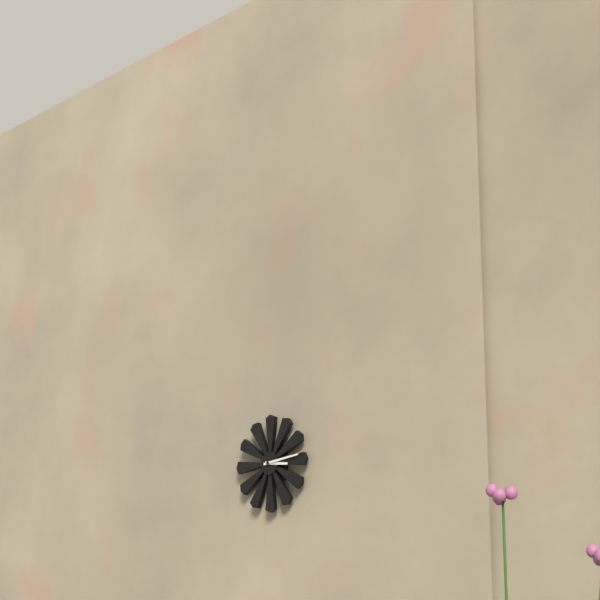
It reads 3.14
